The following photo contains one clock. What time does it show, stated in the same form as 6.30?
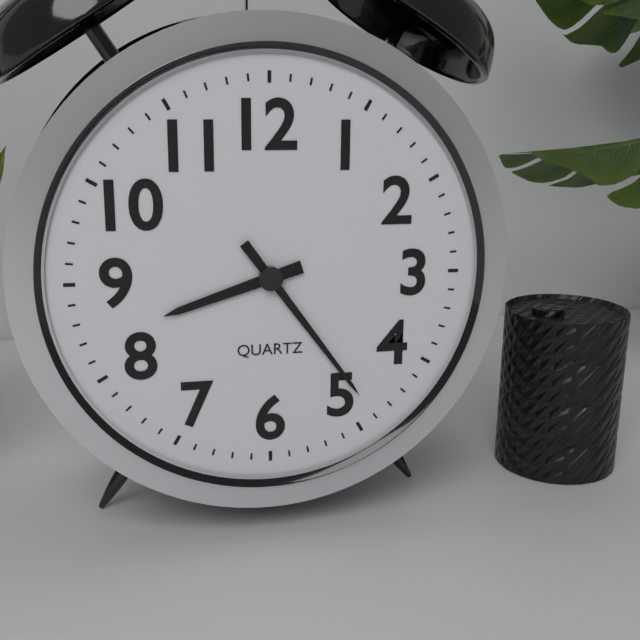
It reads 8.24
